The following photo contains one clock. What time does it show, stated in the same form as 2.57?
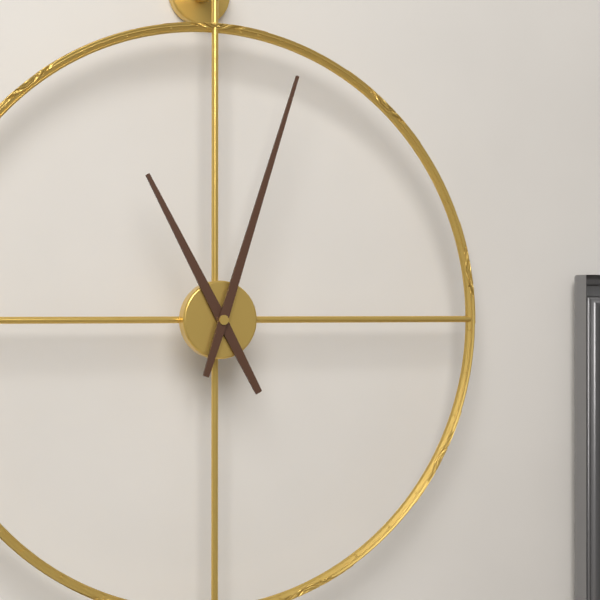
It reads 11.03
